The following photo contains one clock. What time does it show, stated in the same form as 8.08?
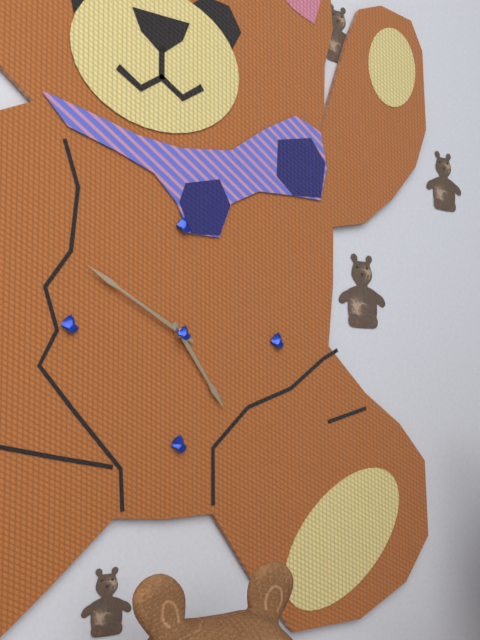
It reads 4.50
